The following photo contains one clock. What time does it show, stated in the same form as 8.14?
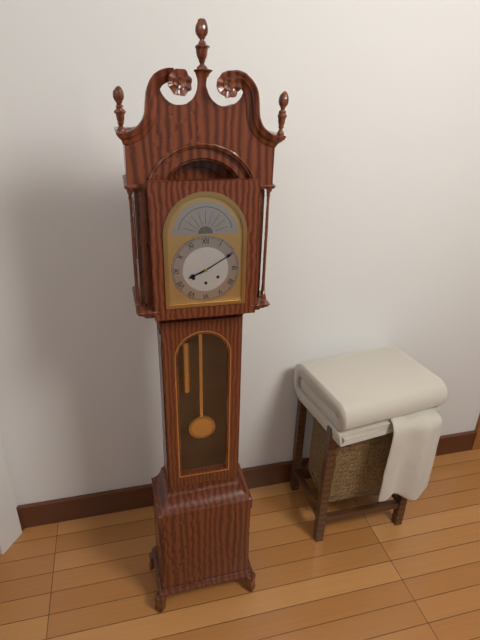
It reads 8.10
